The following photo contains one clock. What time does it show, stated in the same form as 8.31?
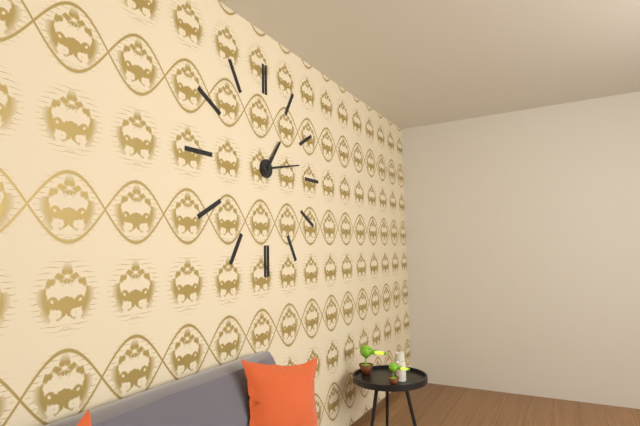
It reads 1.13
